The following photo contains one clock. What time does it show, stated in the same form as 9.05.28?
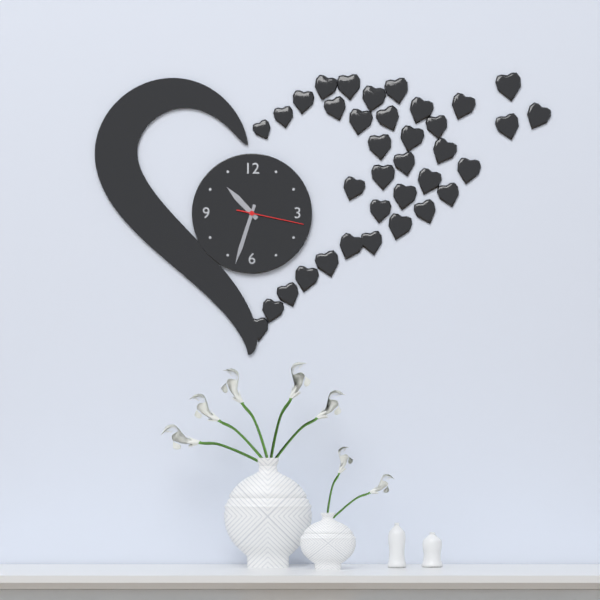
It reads 10.33.17
